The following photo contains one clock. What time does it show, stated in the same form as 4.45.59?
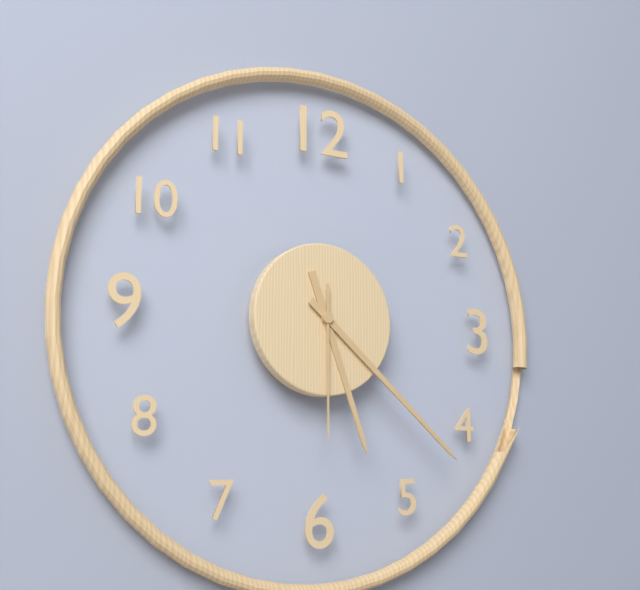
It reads 5.22.30
